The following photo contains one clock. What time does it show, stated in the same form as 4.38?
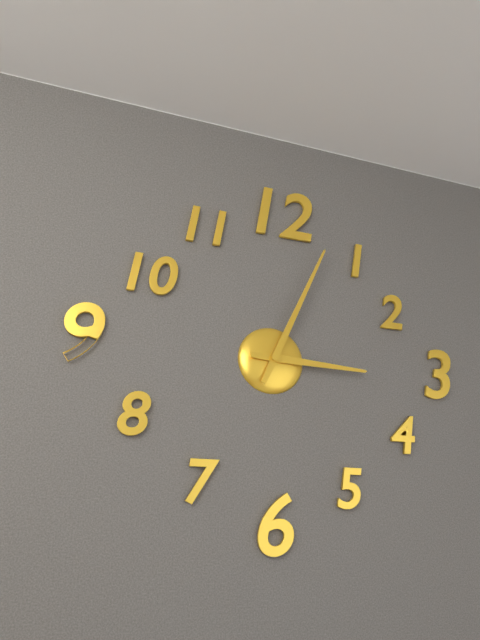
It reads 3.04
